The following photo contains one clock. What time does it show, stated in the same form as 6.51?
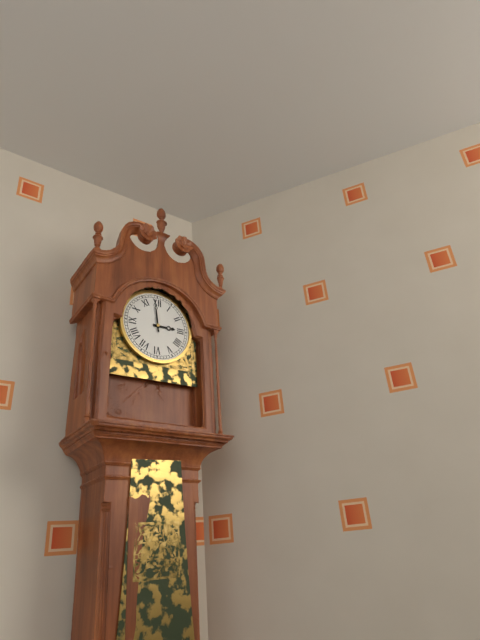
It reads 2.59
